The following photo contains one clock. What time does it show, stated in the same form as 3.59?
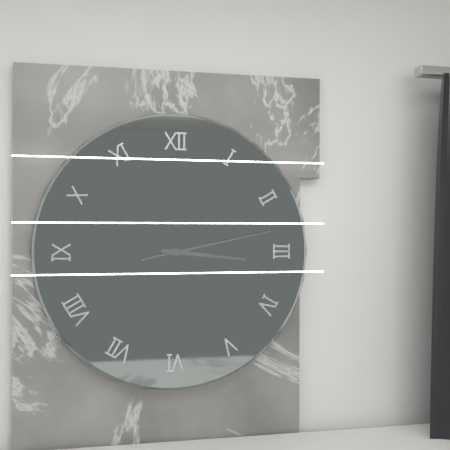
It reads 3.13
